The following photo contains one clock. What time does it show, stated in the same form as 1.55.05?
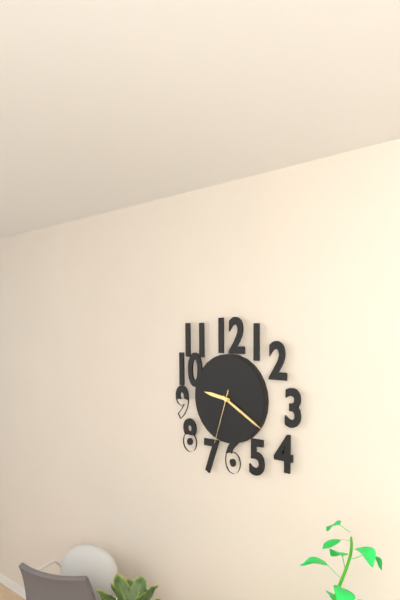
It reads 9.20.33
